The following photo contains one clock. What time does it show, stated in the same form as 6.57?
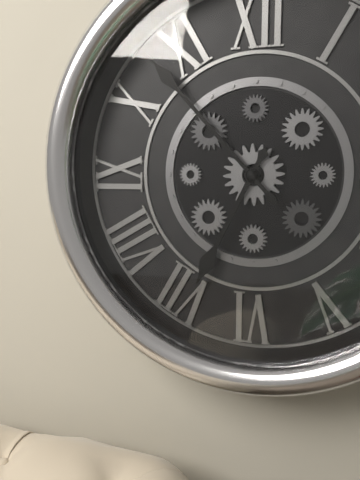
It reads 6.53
